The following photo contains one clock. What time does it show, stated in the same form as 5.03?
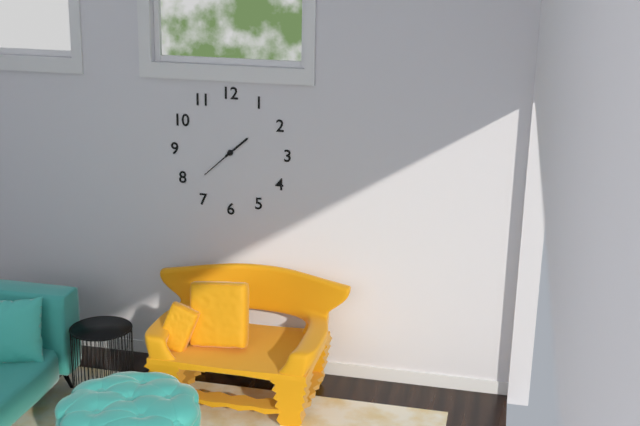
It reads 1.38
